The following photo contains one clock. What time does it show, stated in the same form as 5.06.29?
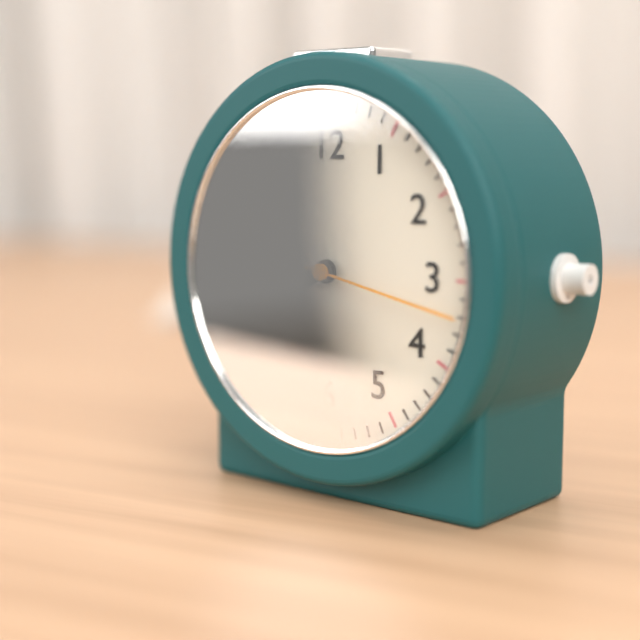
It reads 8.40.17
